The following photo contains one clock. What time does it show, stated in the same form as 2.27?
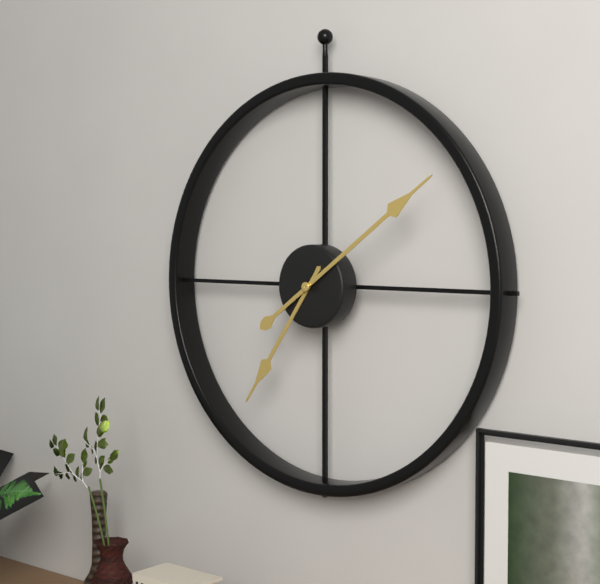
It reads 7.09
